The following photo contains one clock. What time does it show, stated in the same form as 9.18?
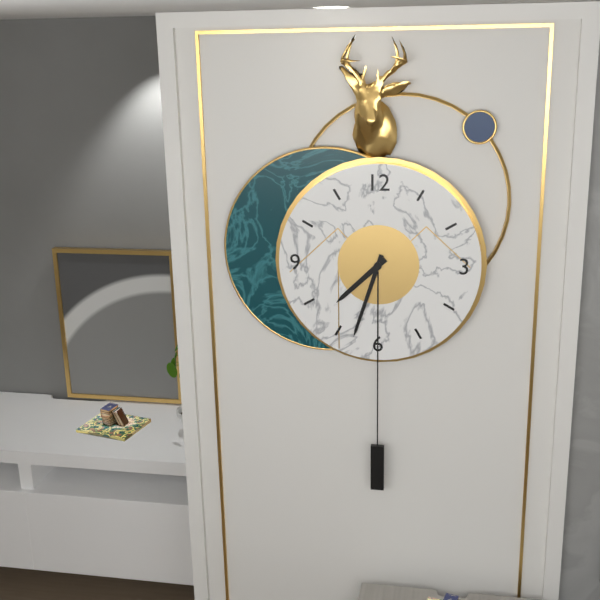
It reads 7.33
